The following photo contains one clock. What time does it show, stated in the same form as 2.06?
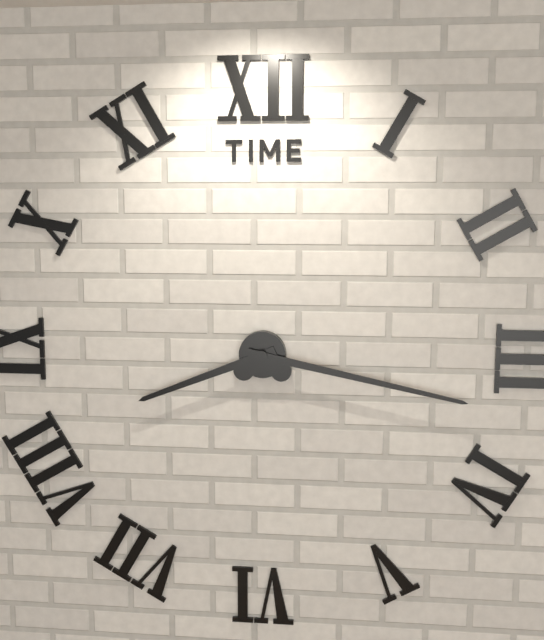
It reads 8.17
